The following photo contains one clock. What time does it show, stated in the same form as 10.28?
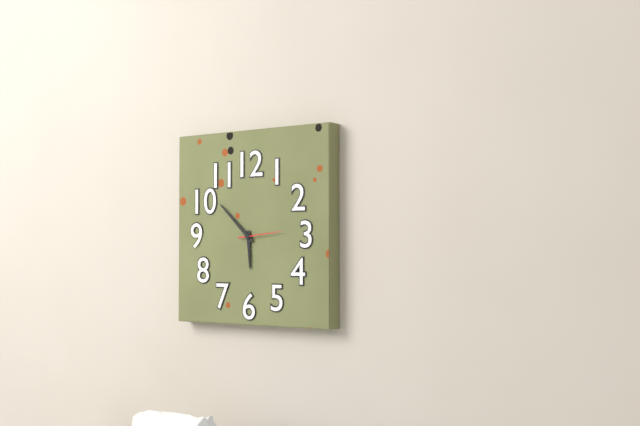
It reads 5.52
